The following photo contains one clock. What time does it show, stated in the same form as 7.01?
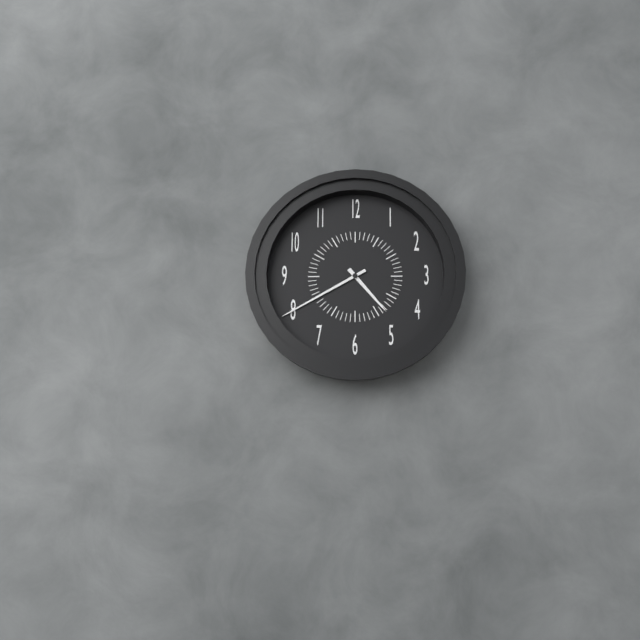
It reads 4.40
